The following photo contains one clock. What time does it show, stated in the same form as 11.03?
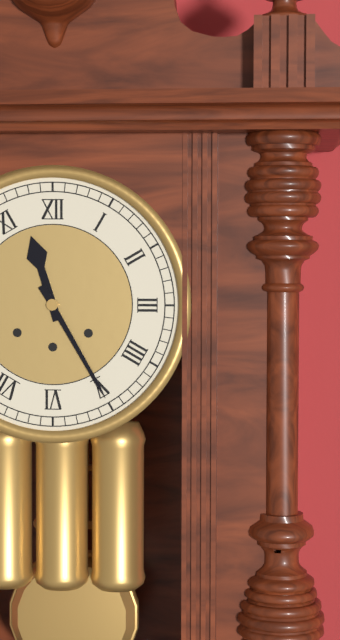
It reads 11.25
